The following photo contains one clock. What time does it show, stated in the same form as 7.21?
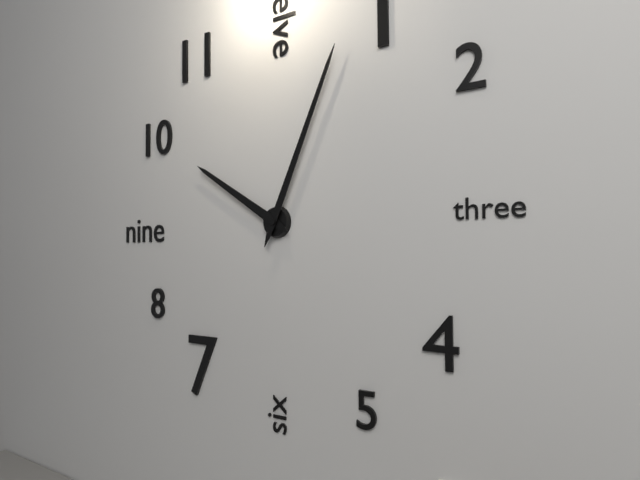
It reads 10.04
